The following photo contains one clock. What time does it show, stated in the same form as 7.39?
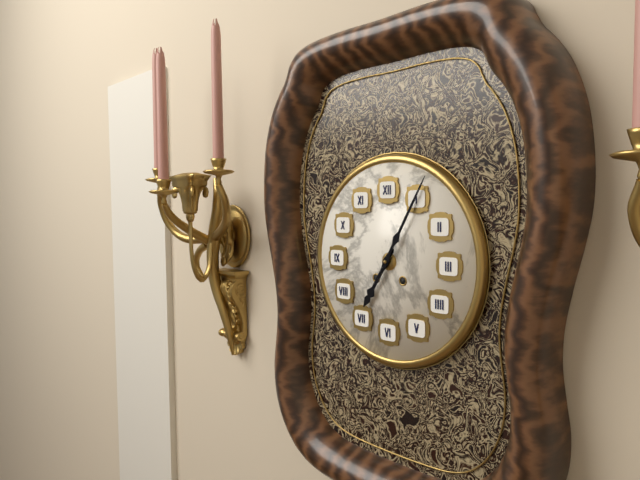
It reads 7.05
